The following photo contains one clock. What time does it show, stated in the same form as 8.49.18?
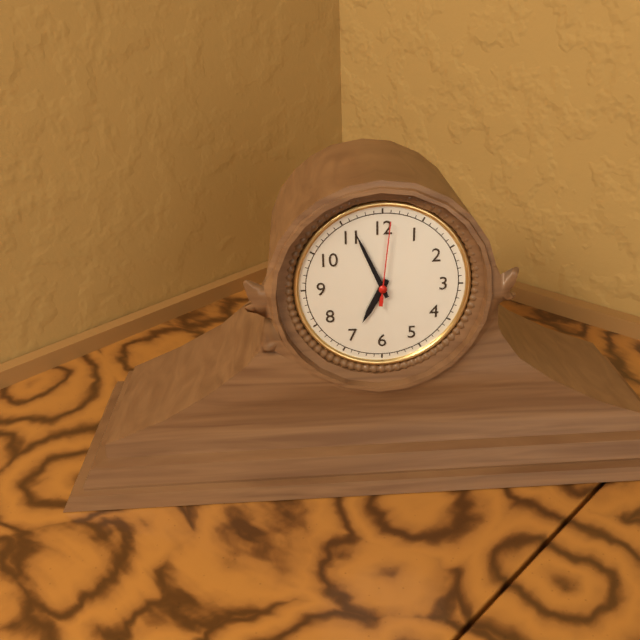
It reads 6.56.01
